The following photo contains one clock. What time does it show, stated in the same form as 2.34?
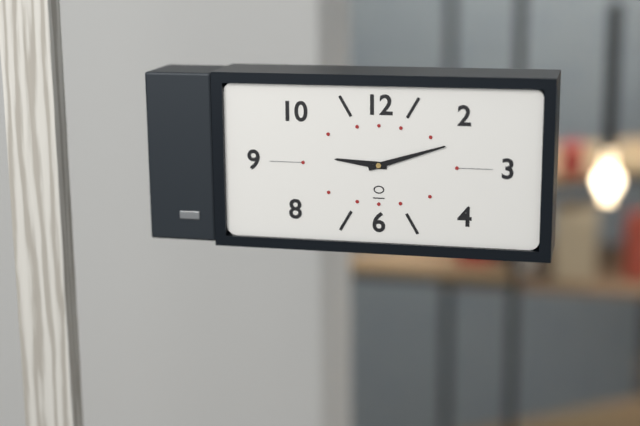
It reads 9.12
